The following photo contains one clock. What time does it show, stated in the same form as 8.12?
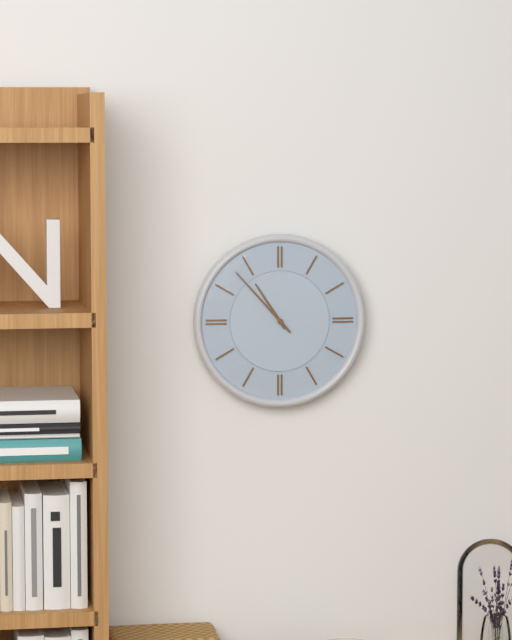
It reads 10.53
